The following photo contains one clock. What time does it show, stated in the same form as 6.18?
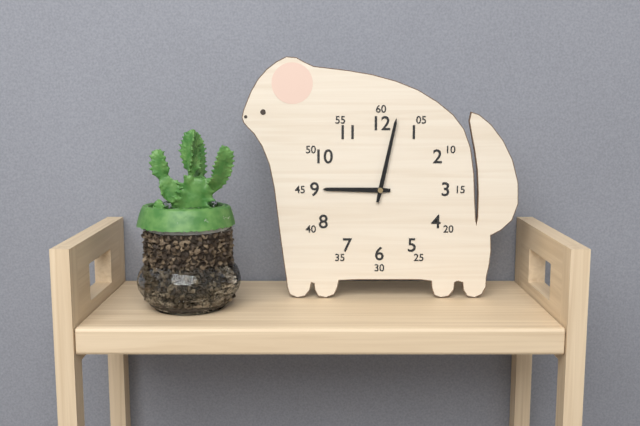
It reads 9.02
